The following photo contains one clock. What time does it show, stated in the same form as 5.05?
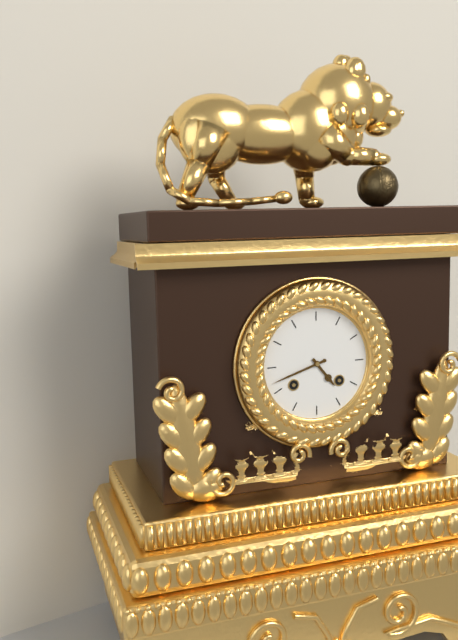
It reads 4.42
